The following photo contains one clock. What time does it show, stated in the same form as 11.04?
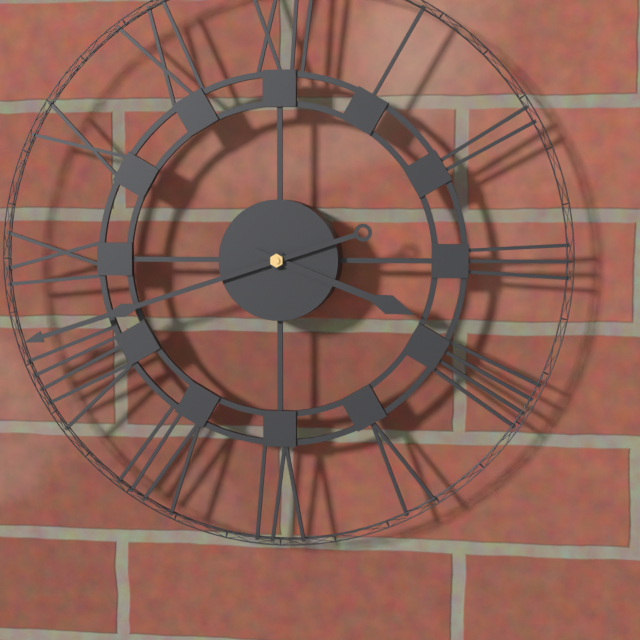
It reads 3.42
